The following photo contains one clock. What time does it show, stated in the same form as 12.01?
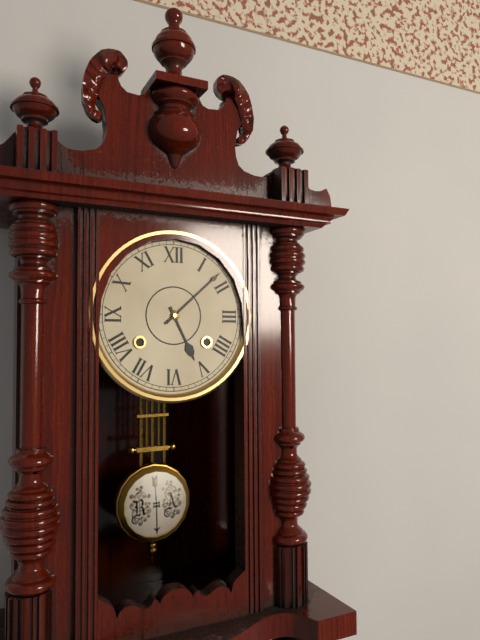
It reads 5.08
